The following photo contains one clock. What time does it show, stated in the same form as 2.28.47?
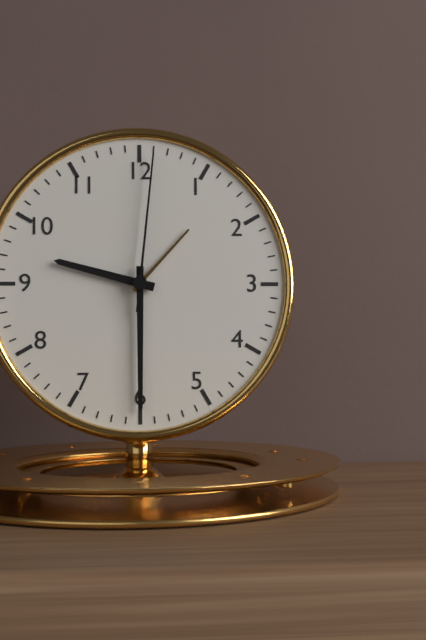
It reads 9.30.01
